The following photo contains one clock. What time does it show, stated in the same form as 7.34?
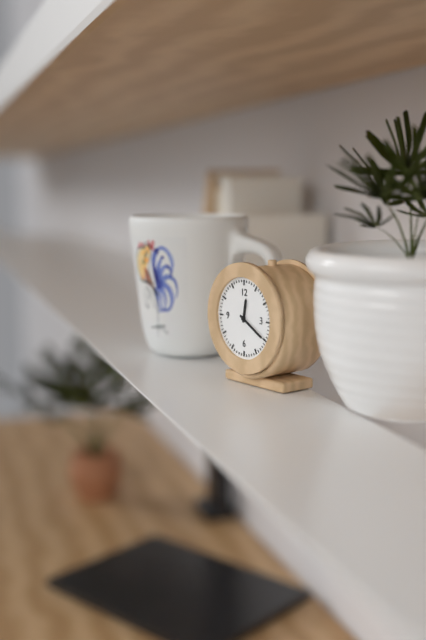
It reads 12.20
